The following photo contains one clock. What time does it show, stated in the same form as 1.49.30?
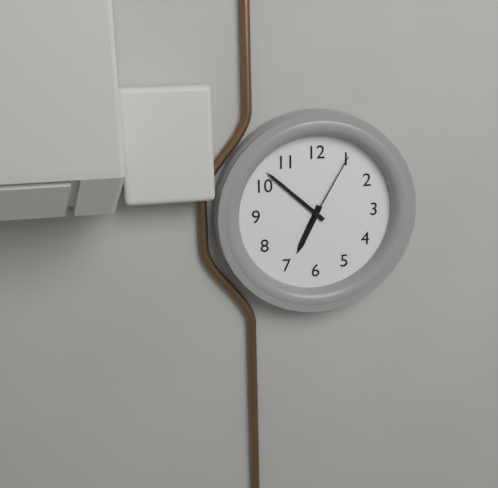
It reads 6.52.05
